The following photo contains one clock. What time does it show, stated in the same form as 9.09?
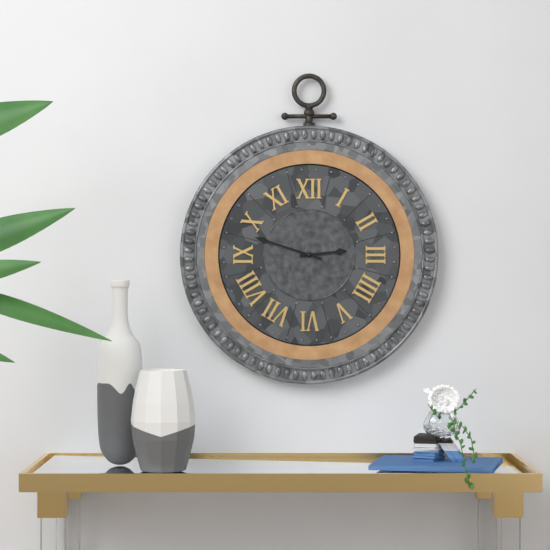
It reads 2.48
